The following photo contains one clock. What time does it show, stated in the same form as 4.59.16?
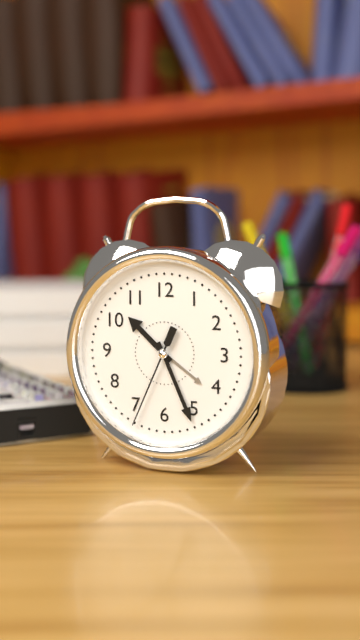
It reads 10.26.34
